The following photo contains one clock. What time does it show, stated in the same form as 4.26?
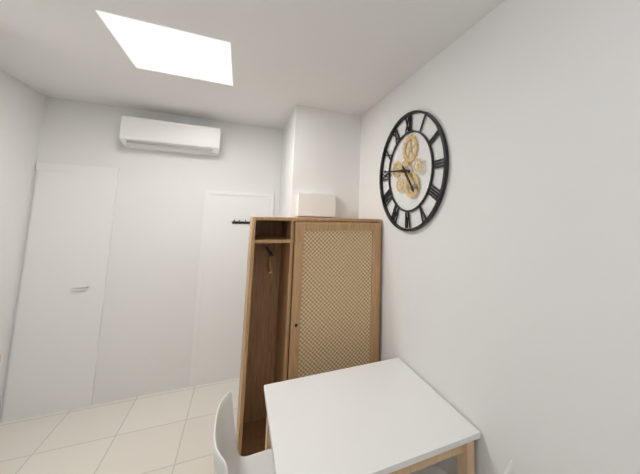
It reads 4.46
